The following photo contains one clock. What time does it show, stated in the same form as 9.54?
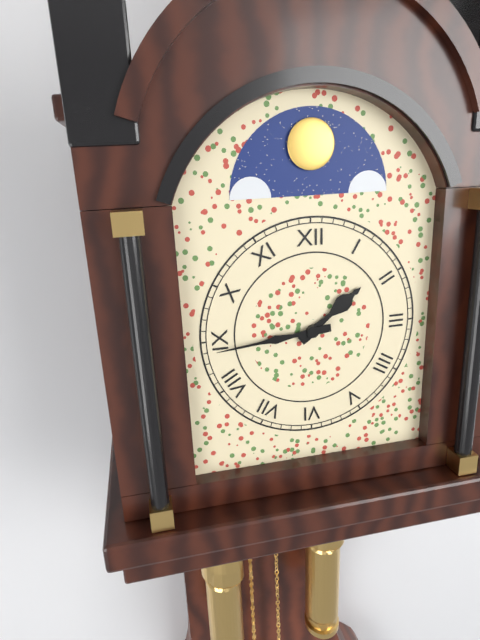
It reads 1.44
